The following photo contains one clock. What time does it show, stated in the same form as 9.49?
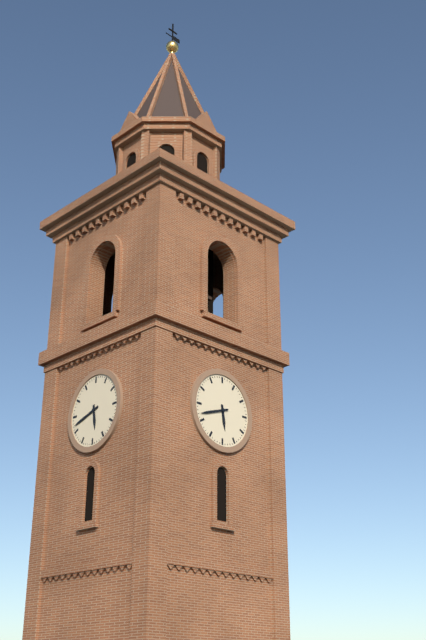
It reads 5.42
